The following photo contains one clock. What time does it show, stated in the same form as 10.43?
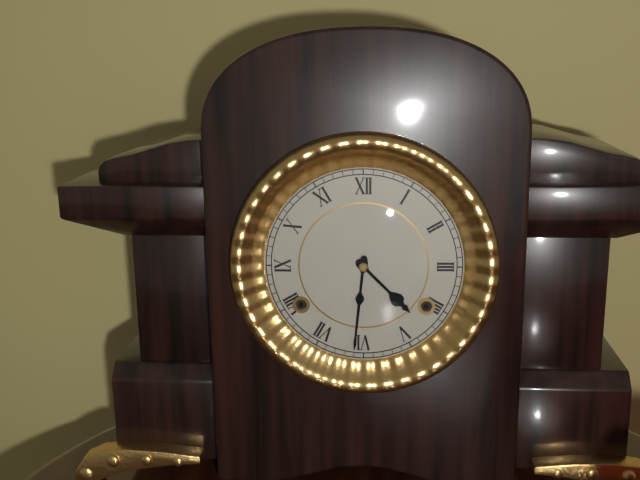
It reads 4.31
